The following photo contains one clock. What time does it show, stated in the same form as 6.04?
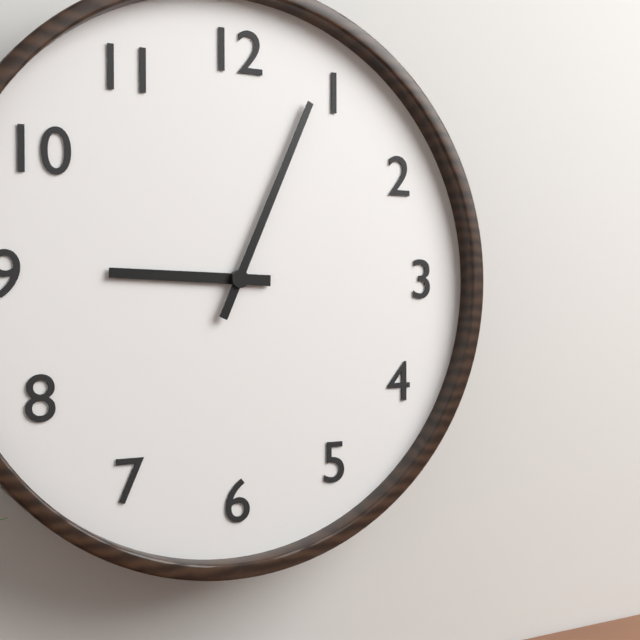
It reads 9.04
